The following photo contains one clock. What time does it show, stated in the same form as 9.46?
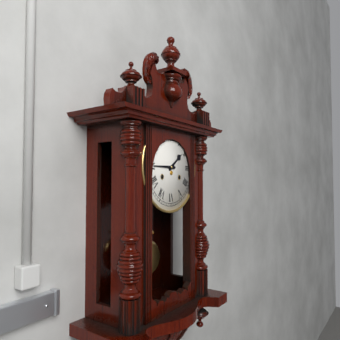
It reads 1.45
